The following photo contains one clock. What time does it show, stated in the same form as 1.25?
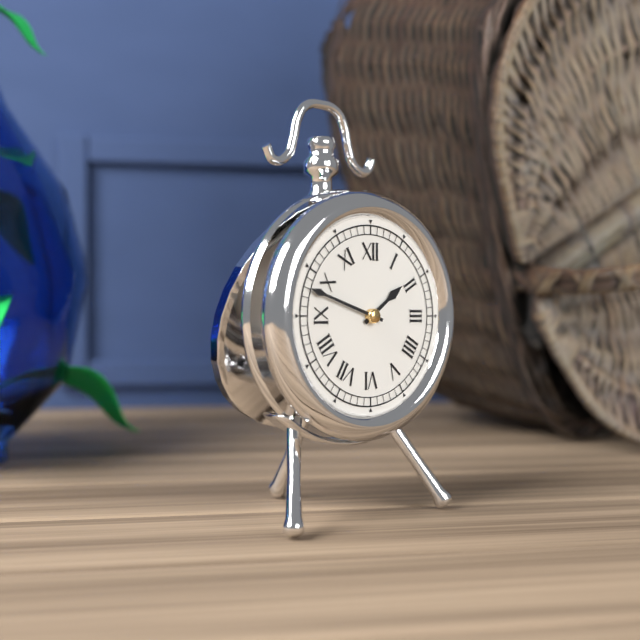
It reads 1.48
